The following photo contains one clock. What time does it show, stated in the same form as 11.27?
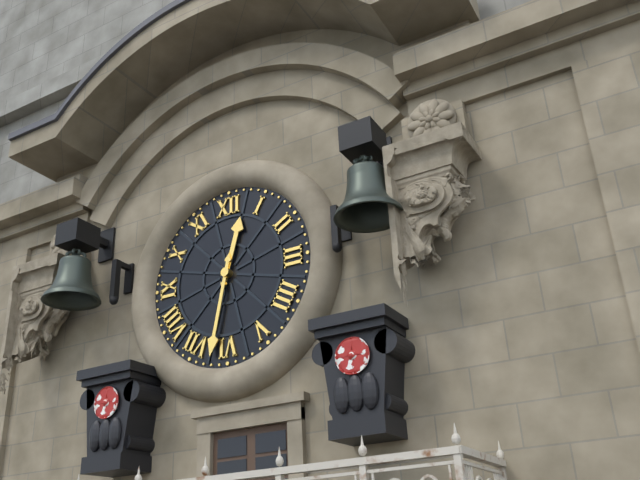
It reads 12.32
